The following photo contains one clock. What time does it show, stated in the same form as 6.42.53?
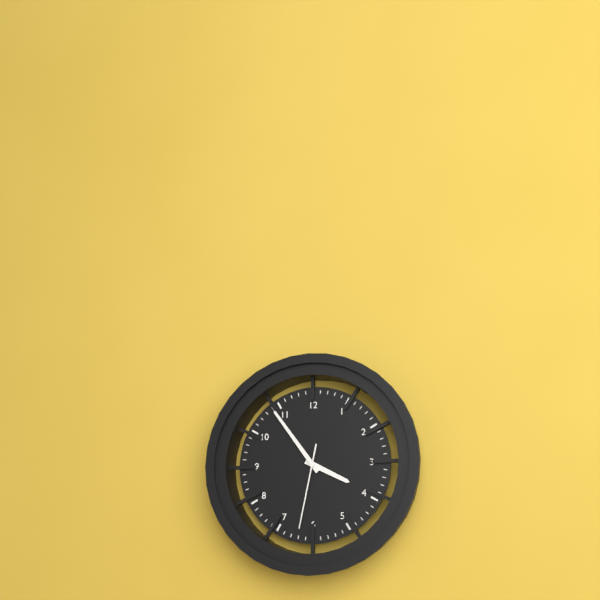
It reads 3.54.32
